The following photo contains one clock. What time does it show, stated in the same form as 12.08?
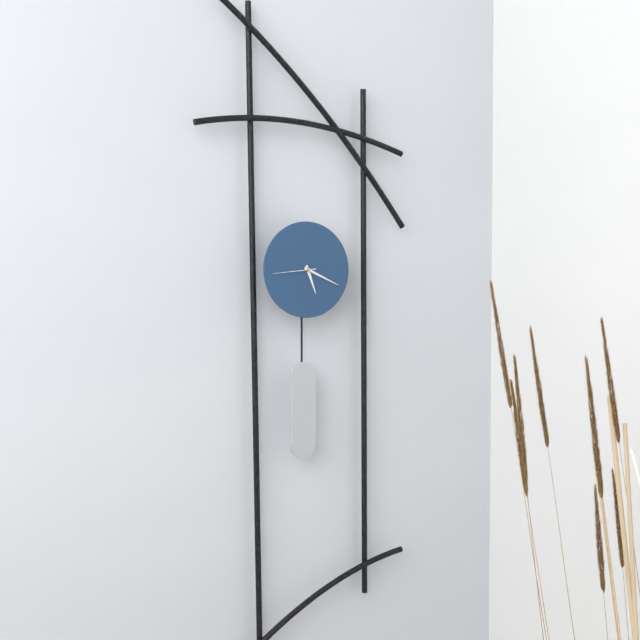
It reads 5.19
